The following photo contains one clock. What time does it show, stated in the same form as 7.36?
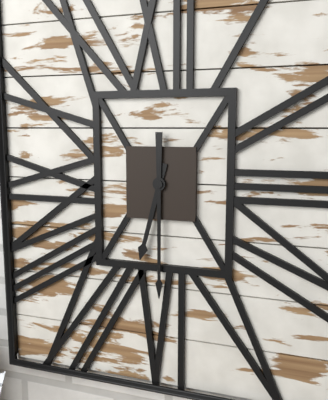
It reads 6.30
